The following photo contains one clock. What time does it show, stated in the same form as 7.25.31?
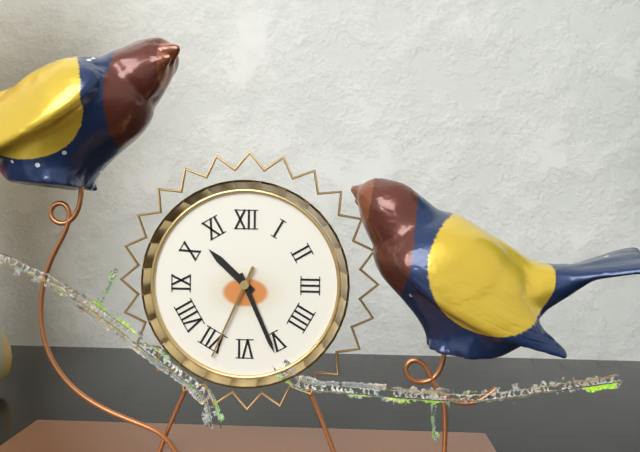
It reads 10.26.34
